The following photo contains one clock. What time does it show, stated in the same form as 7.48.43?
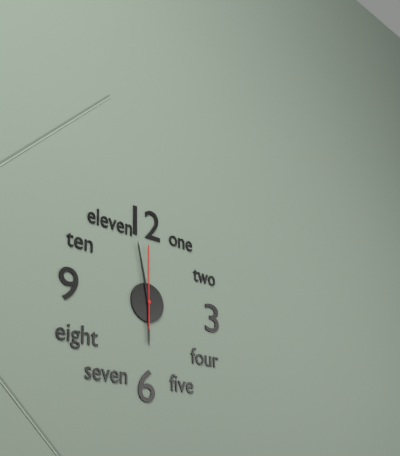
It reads 5.58.00
